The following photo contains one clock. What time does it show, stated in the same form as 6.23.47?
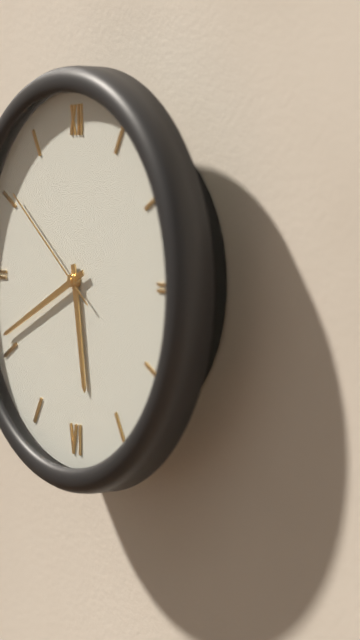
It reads 5.41.51
